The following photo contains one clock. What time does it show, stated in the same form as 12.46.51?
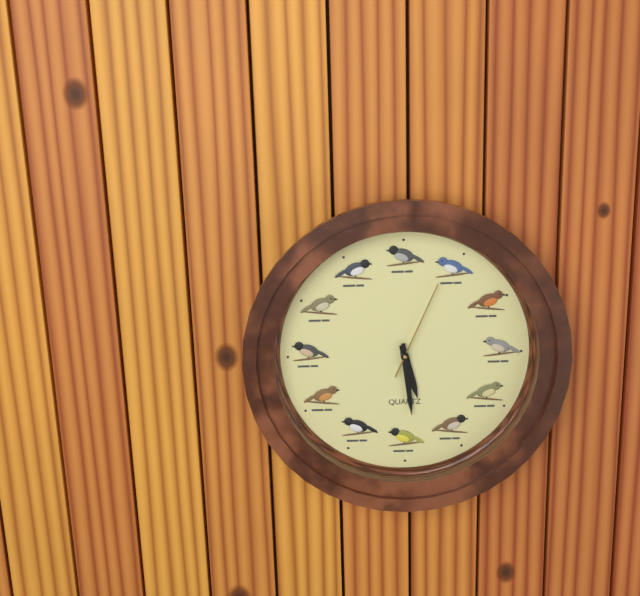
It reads 5.29.04
